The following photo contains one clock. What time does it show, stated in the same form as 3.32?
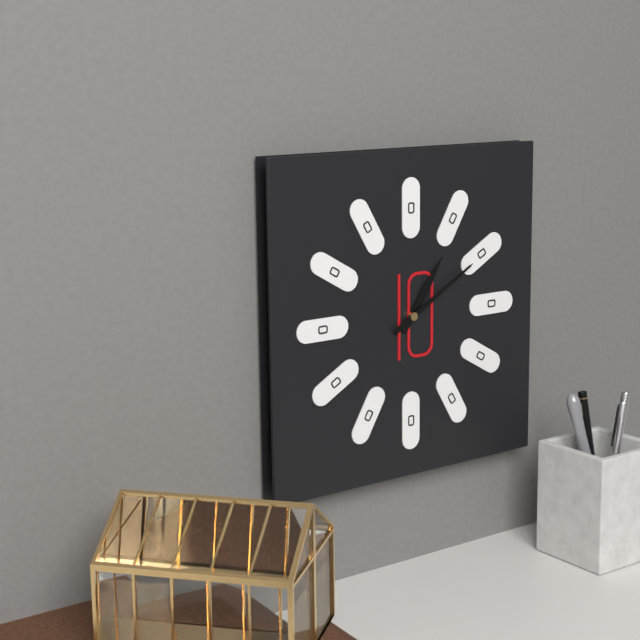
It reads 1.10
